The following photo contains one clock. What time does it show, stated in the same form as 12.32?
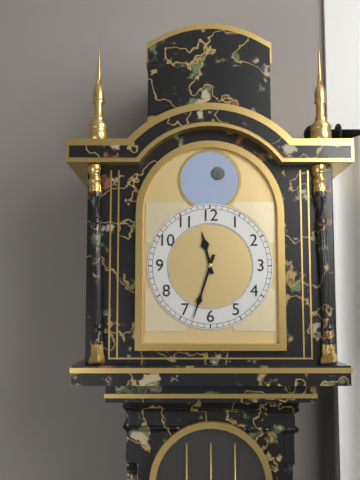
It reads 11.33
